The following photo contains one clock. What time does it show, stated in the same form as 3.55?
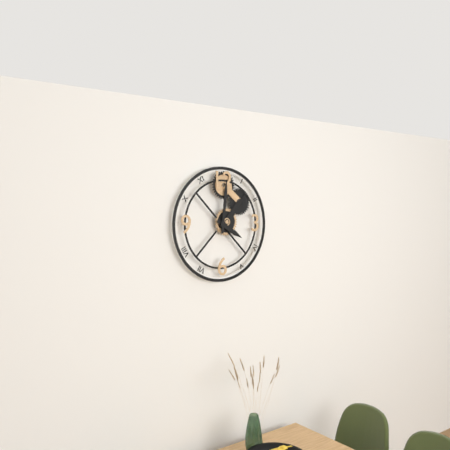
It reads 4.01
